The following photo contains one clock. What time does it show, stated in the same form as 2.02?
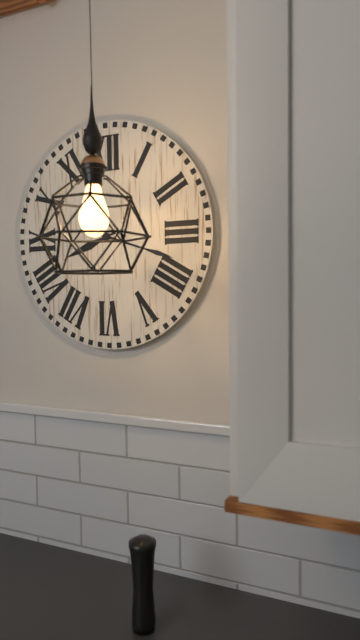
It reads 8.18
